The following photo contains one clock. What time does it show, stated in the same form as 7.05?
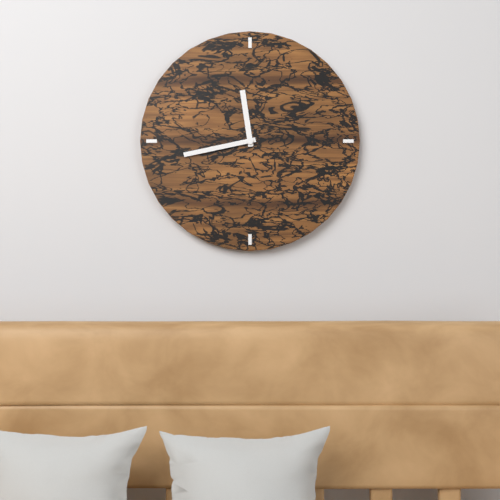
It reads 11.43
